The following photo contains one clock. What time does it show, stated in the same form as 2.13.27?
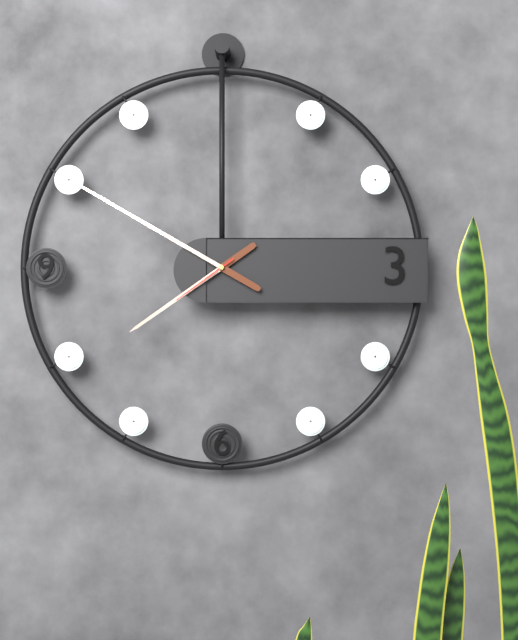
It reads 7.50.39
